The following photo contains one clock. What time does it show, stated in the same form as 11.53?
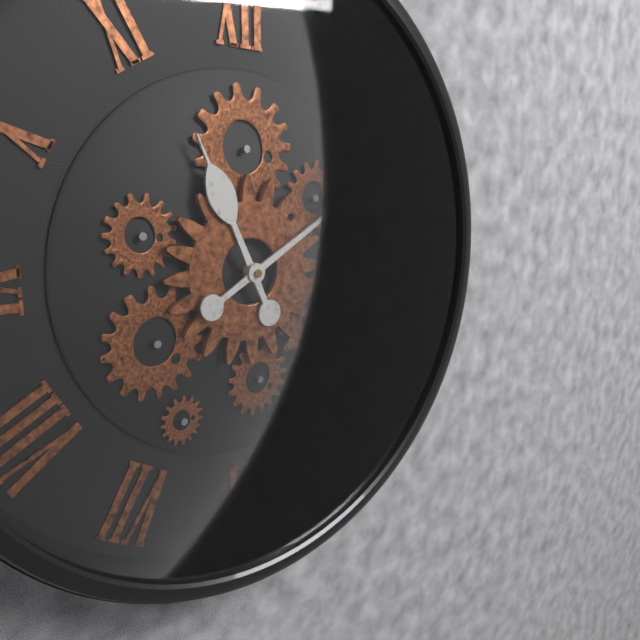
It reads 11.10
